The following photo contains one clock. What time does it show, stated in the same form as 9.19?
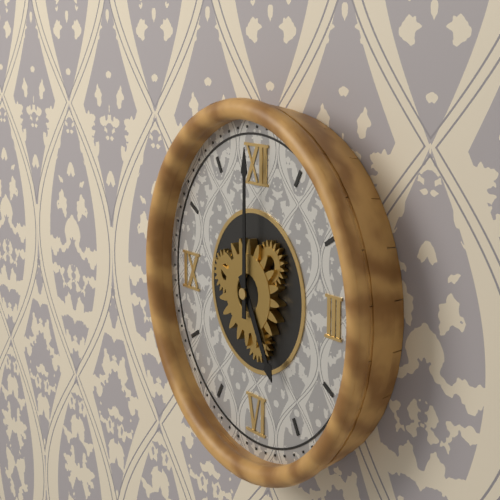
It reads 5.00
